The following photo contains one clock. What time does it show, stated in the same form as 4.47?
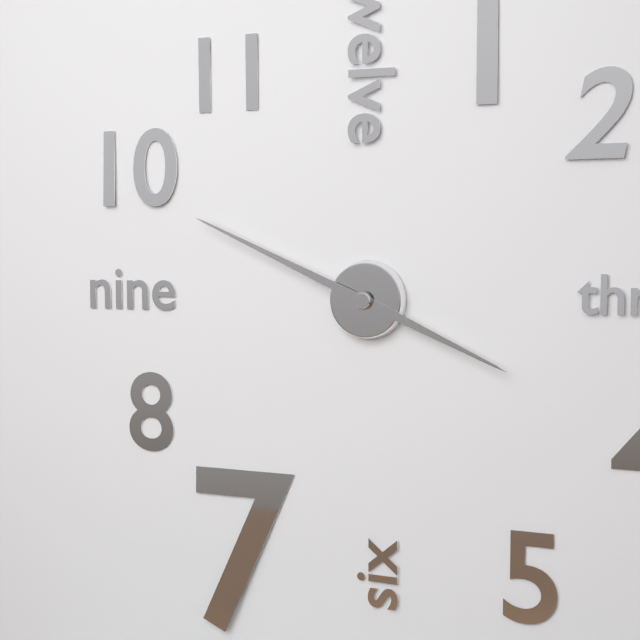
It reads 3.49
